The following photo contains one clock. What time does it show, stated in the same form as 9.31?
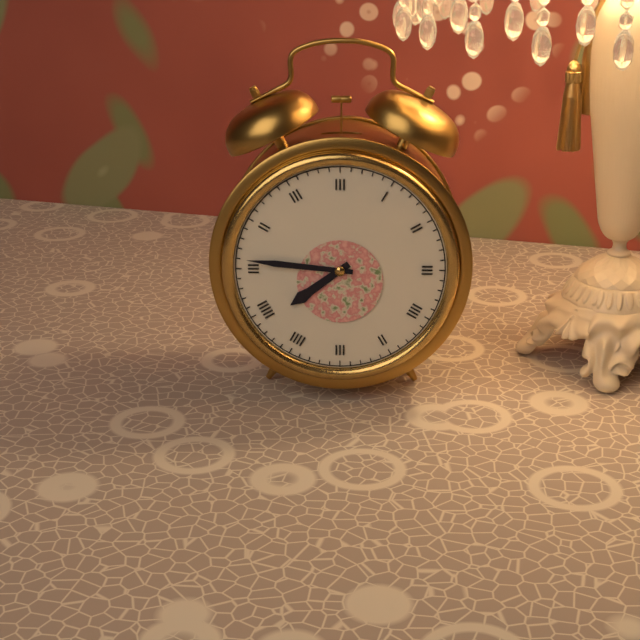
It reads 7.46
